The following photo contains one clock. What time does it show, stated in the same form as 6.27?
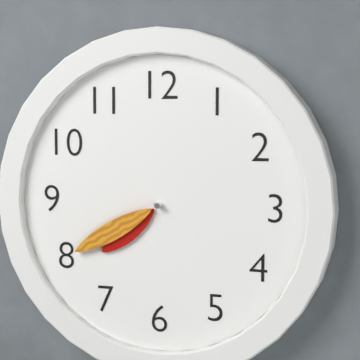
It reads 7.40
